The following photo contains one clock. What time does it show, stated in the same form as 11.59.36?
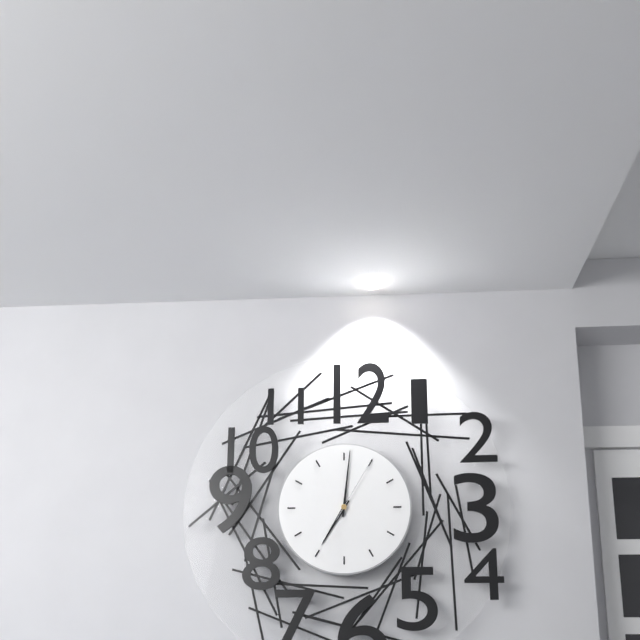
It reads 7.01.05
